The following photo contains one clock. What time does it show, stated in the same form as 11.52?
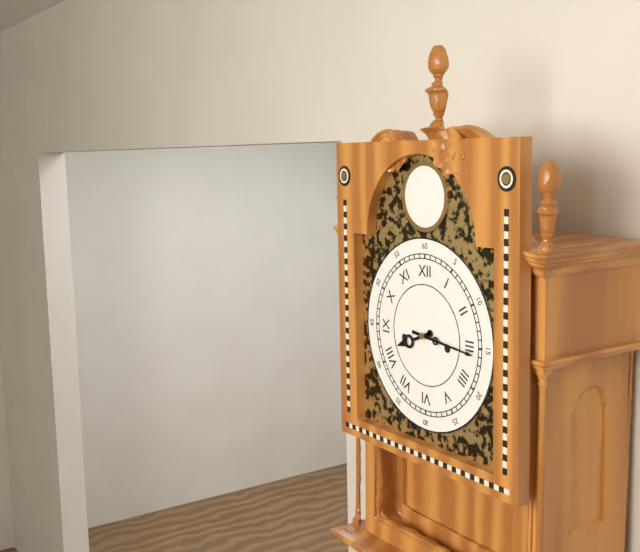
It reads 8.16
